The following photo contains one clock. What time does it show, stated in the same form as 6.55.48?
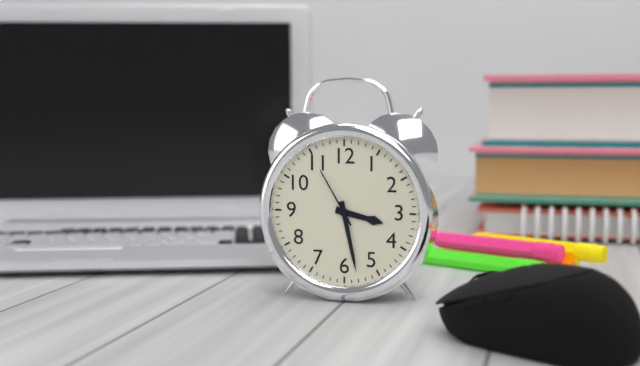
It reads 3.28.55
